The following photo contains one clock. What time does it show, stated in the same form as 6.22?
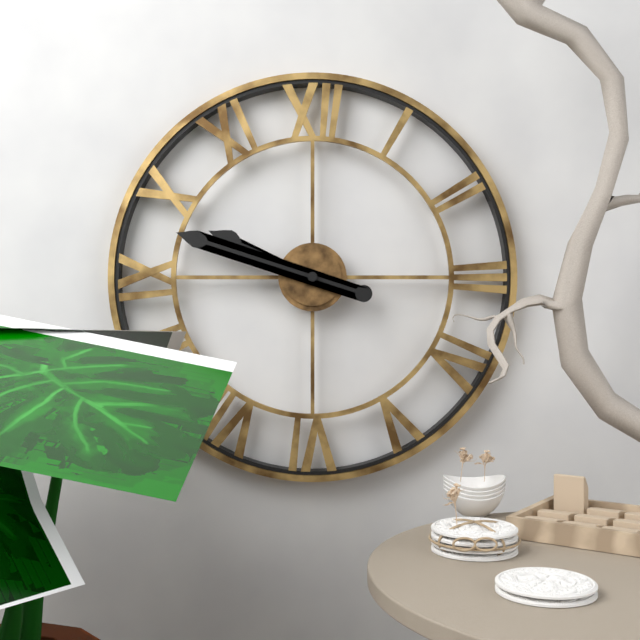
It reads 9.48
